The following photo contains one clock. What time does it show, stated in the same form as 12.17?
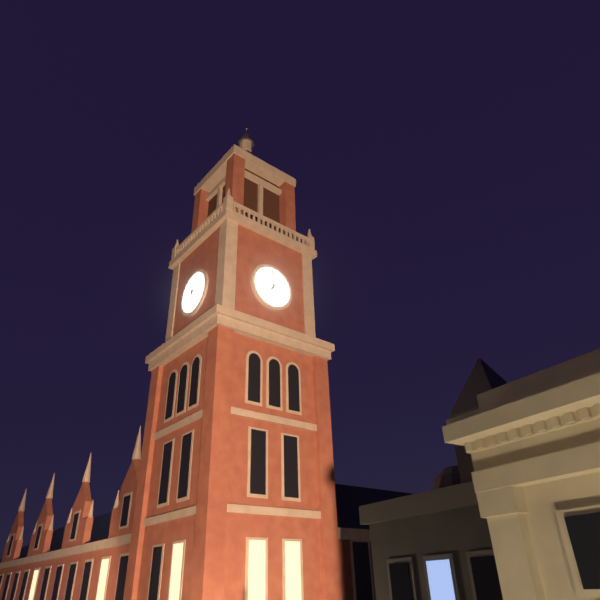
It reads 6.59
